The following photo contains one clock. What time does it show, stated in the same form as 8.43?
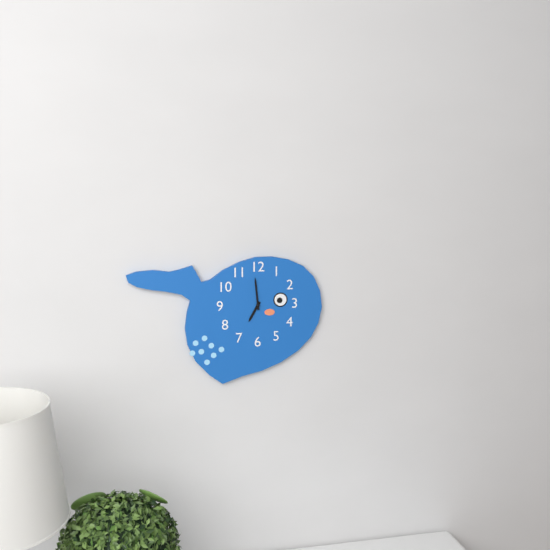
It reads 6.59
